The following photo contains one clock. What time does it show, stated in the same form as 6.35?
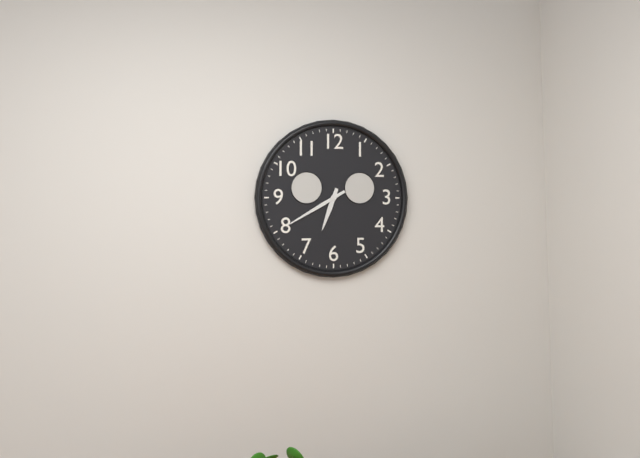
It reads 6.40
